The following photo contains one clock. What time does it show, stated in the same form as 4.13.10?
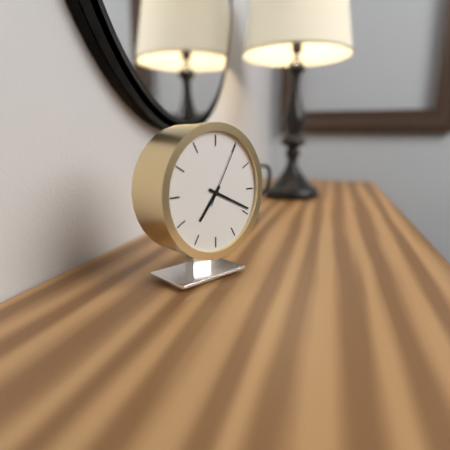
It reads 7.19.05
